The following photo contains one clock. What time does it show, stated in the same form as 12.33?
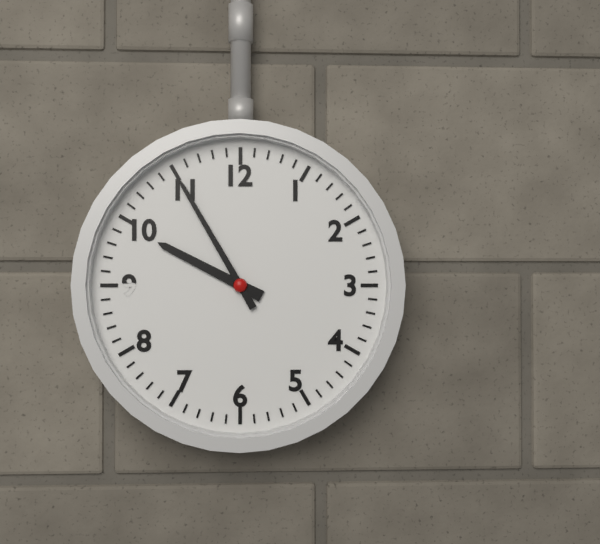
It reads 9.55
